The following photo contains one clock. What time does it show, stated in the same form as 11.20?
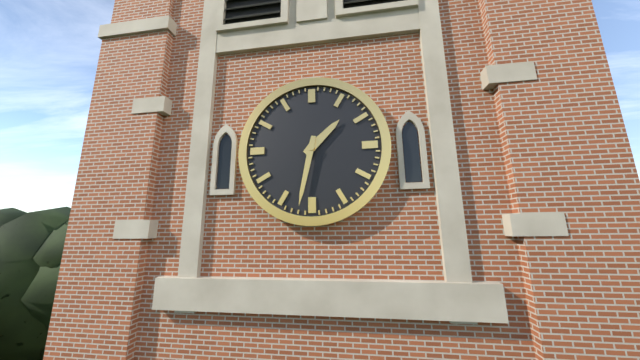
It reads 1.32
